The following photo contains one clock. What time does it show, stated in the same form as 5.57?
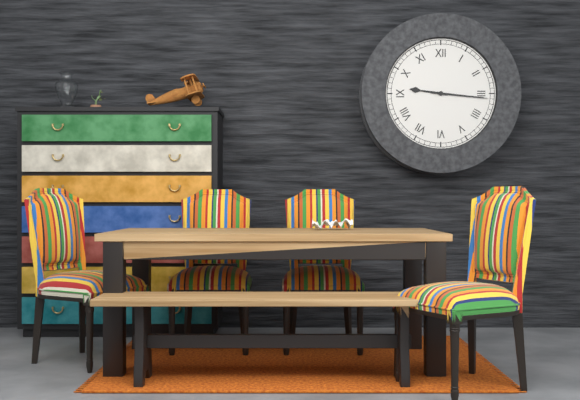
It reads 9.16
